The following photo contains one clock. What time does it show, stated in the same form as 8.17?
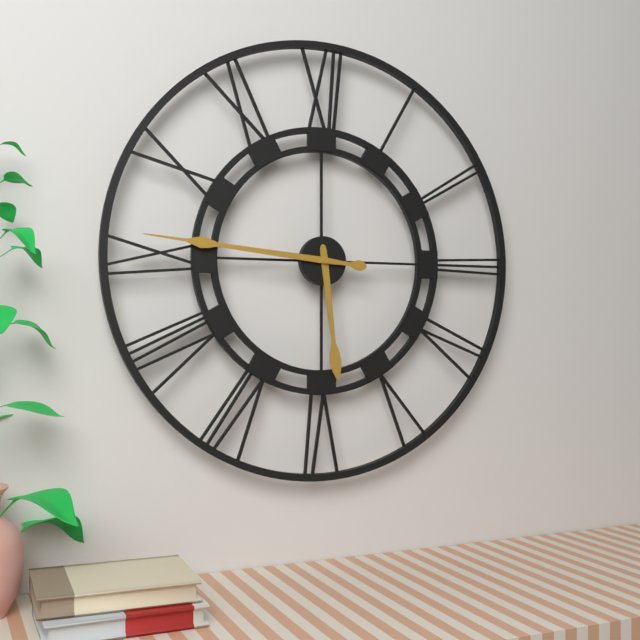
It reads 5.46
